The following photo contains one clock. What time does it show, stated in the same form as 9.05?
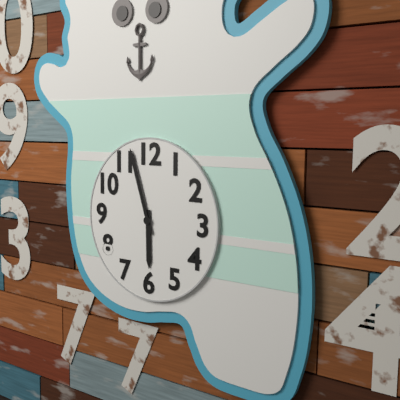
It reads 5.57
